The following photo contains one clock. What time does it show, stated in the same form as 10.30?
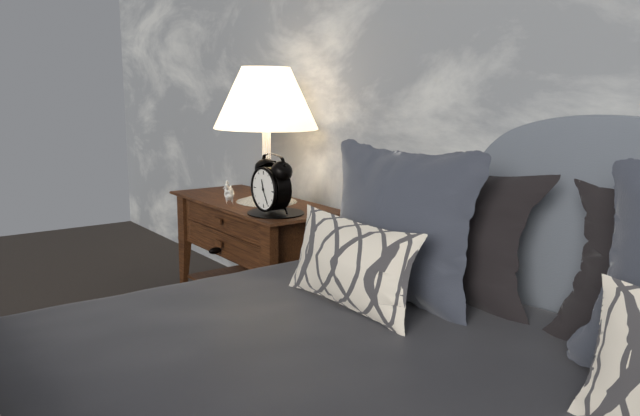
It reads 11.25
